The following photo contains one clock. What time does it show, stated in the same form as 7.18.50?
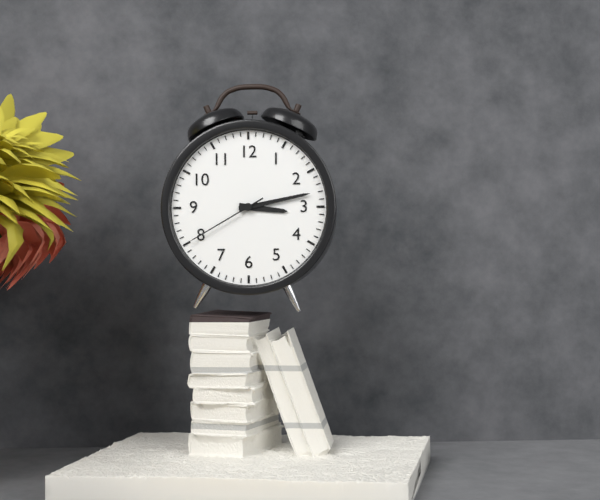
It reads 3.13.40
